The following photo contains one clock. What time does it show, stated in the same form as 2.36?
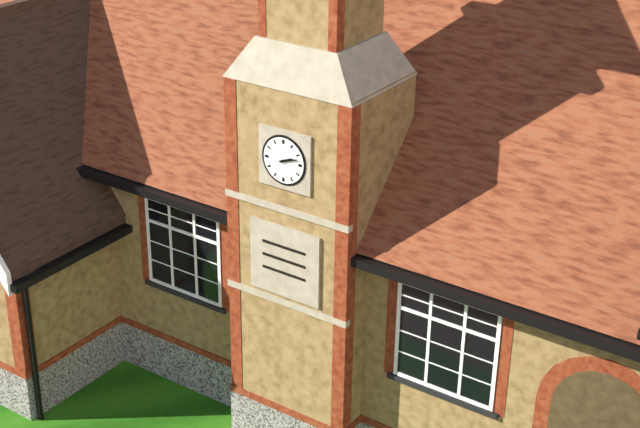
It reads 2.12
